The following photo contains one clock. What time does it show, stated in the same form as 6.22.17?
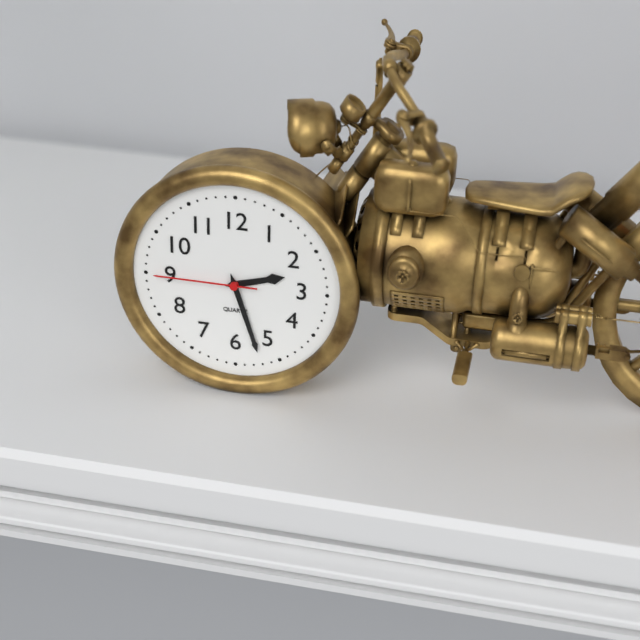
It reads 2.27.45
